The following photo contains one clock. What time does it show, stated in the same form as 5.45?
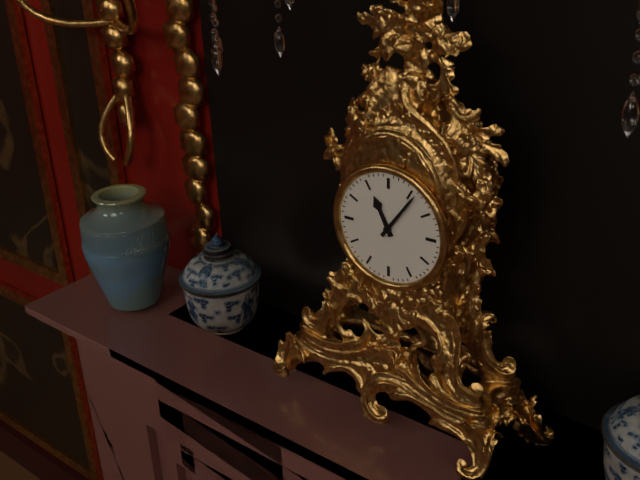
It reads 11.06
